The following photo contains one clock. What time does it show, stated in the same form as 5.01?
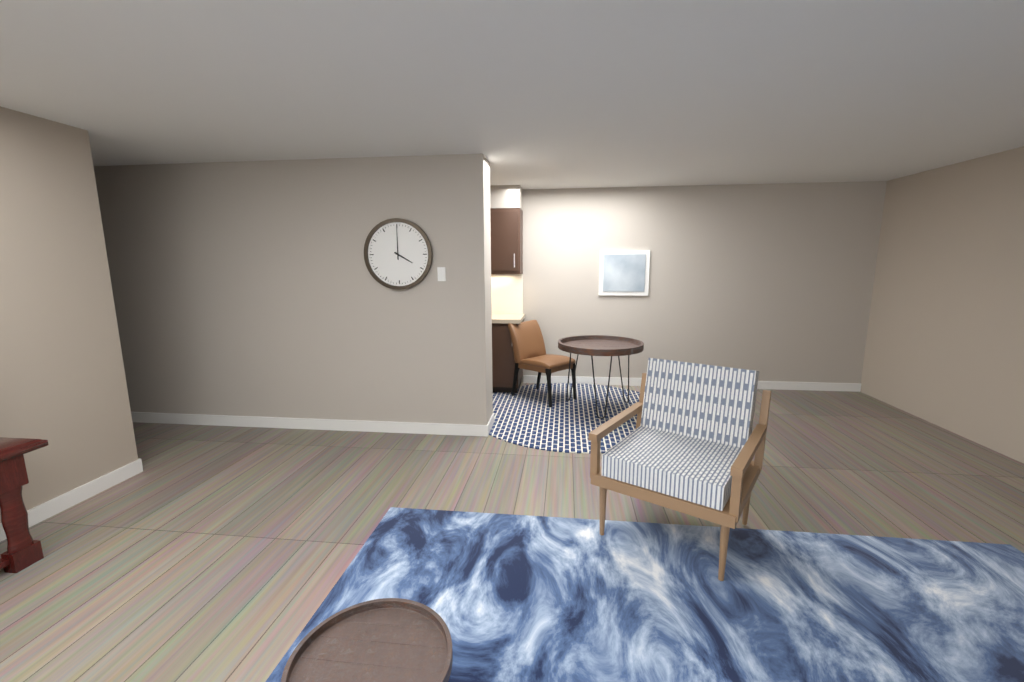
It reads 4.00
